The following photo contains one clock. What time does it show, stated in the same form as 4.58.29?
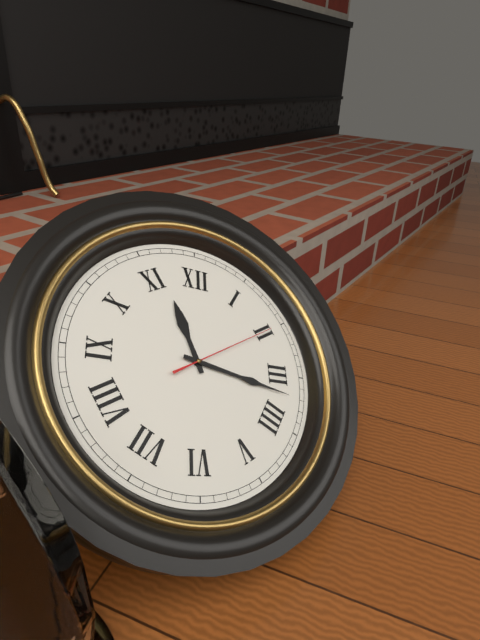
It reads 11.17.10
